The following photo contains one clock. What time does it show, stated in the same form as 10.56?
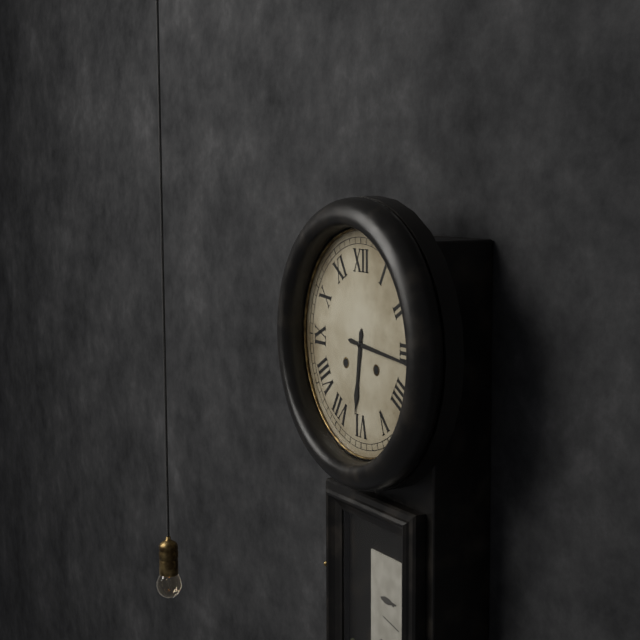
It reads 6.16
